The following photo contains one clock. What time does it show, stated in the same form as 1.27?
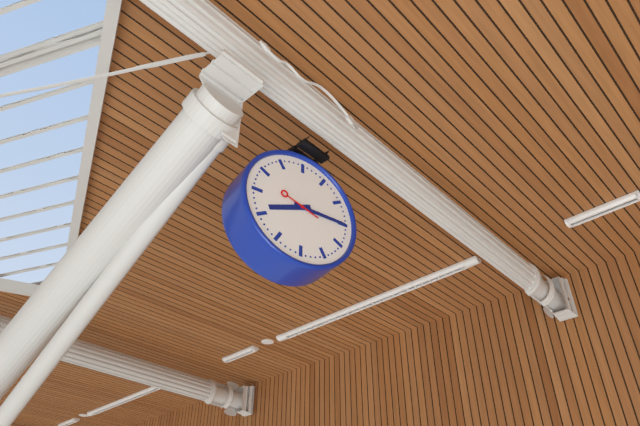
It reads 8.15
